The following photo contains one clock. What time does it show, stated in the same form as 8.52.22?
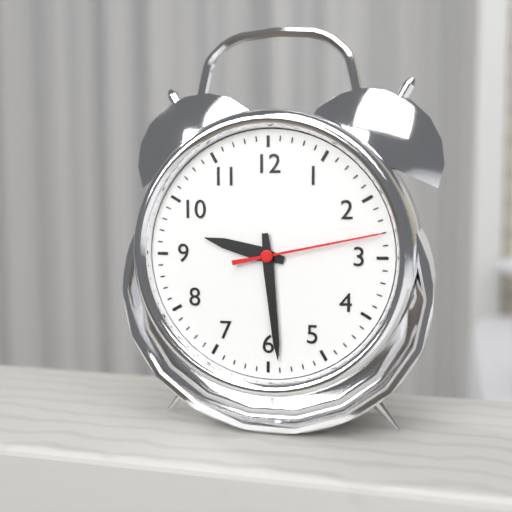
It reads 9.29.13
